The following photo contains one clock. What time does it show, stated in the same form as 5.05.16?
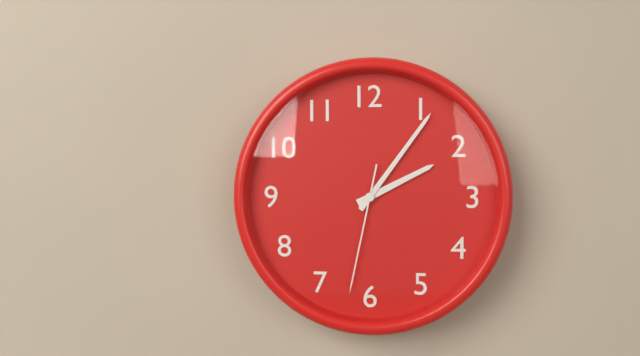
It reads 2.06.32
